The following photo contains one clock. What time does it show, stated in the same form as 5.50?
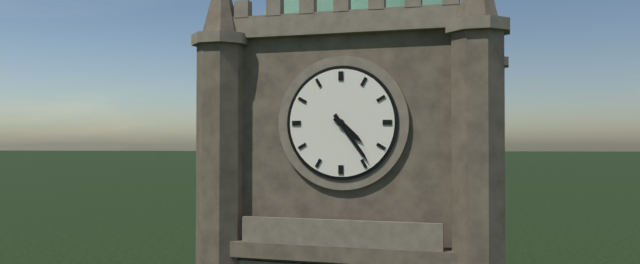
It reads 4.24
